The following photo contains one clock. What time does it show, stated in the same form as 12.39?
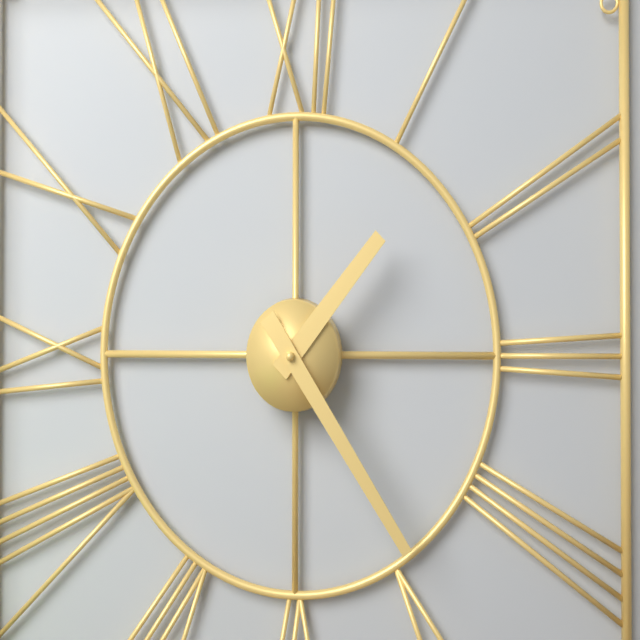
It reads 1.24
